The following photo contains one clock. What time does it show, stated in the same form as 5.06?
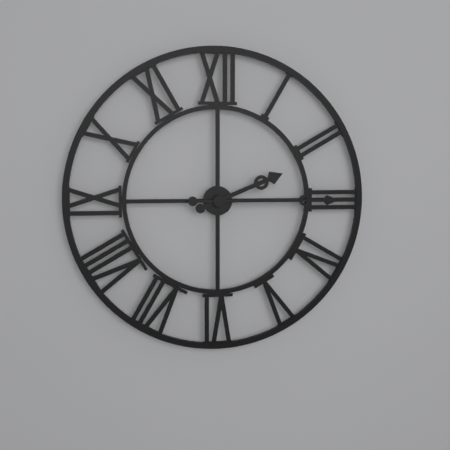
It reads 2.15
